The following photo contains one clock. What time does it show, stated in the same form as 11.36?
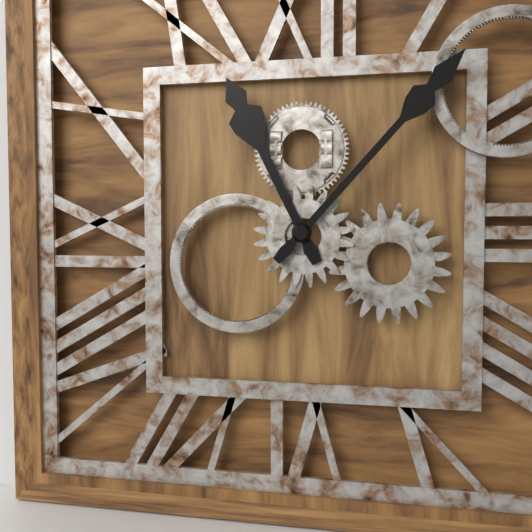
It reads 11.07
